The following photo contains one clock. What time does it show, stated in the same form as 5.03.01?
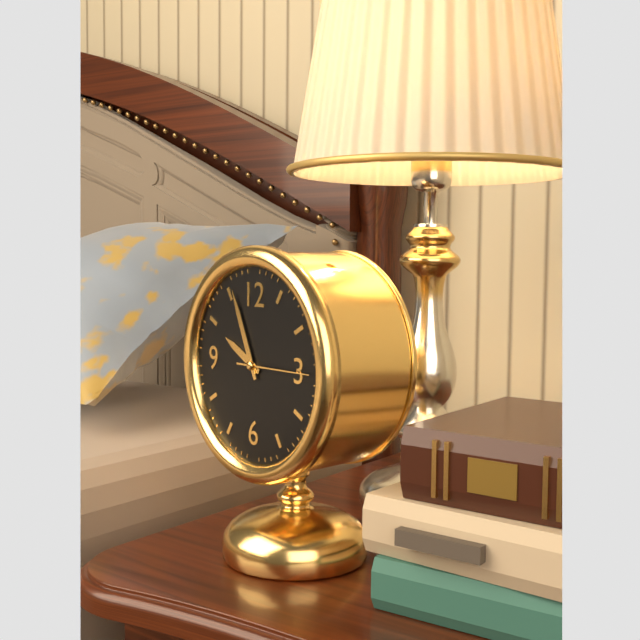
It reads 9.56.15
